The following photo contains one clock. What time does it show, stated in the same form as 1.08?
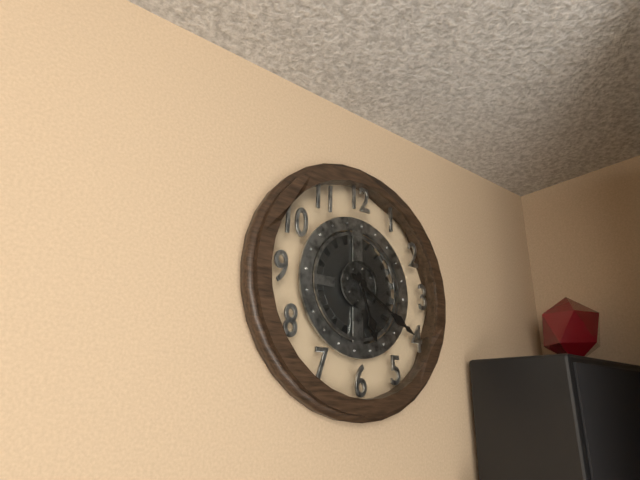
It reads 5.20
